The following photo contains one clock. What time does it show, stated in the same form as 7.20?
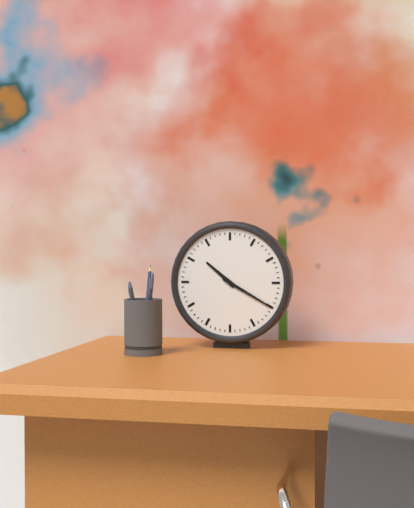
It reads 10.20
